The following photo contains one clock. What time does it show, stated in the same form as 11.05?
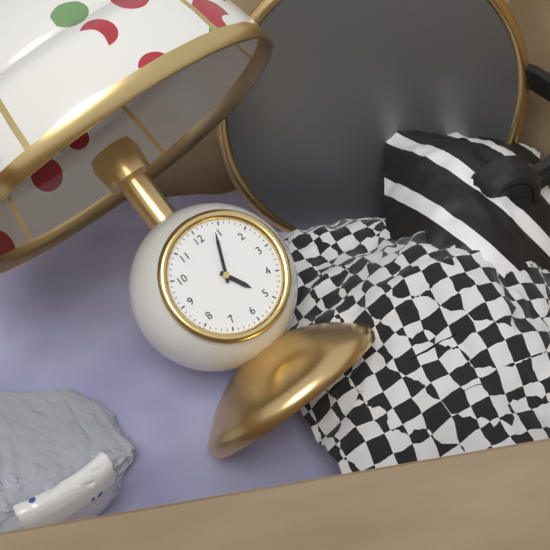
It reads 5.04
